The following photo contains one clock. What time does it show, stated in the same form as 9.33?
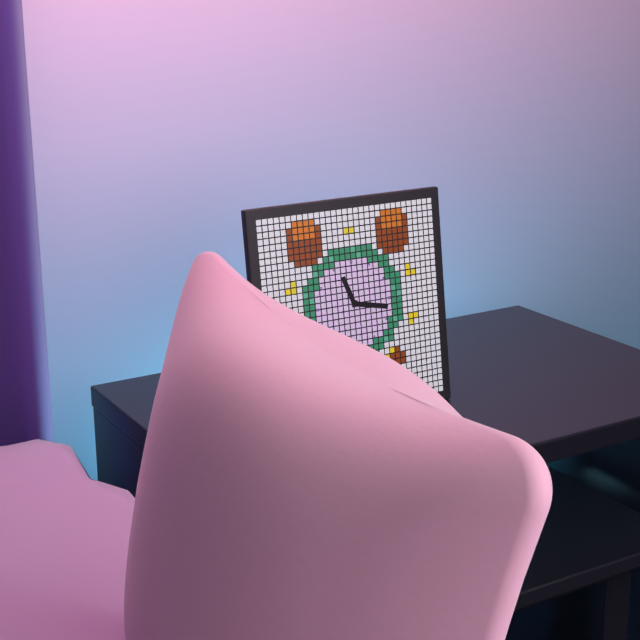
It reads 11.17
